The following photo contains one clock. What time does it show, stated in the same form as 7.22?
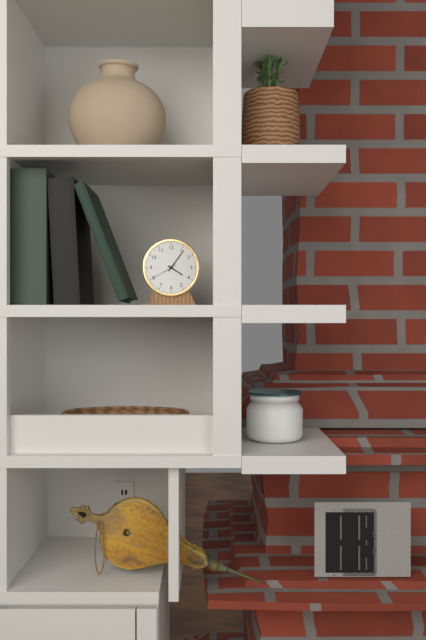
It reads 4.06
